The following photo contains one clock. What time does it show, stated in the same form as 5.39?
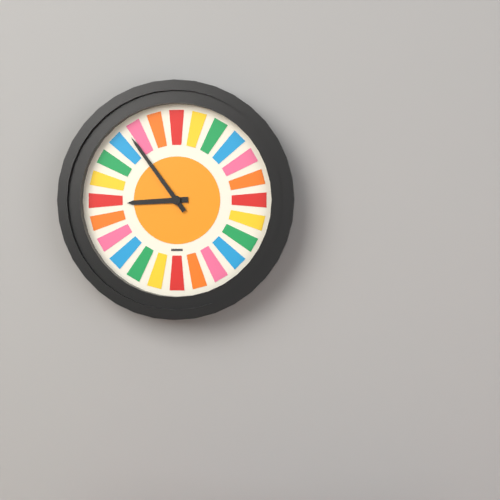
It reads 8.54
